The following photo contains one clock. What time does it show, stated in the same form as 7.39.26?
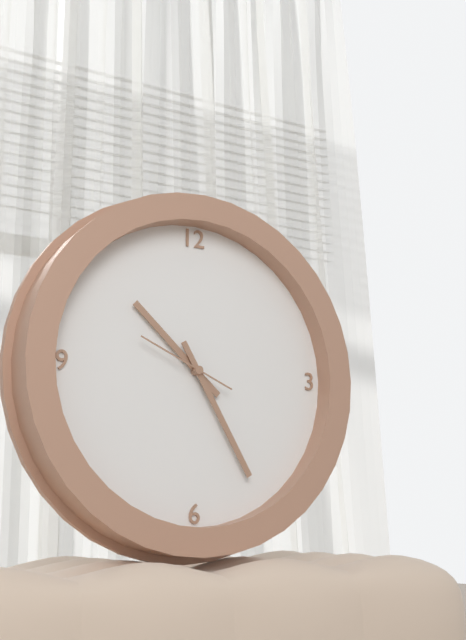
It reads 10.25.49
